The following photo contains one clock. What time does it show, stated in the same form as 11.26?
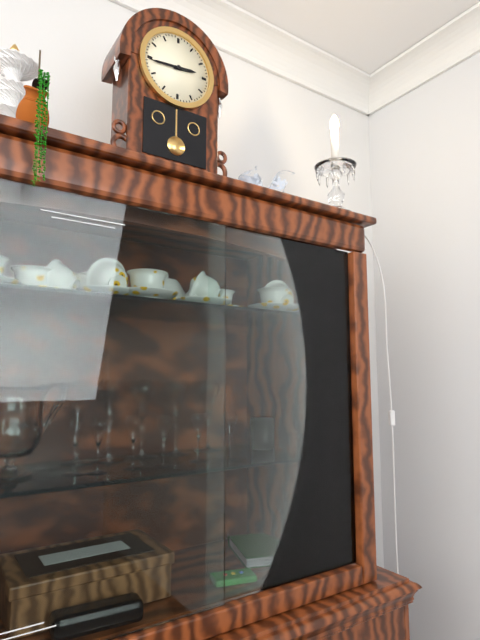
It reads 2.44
